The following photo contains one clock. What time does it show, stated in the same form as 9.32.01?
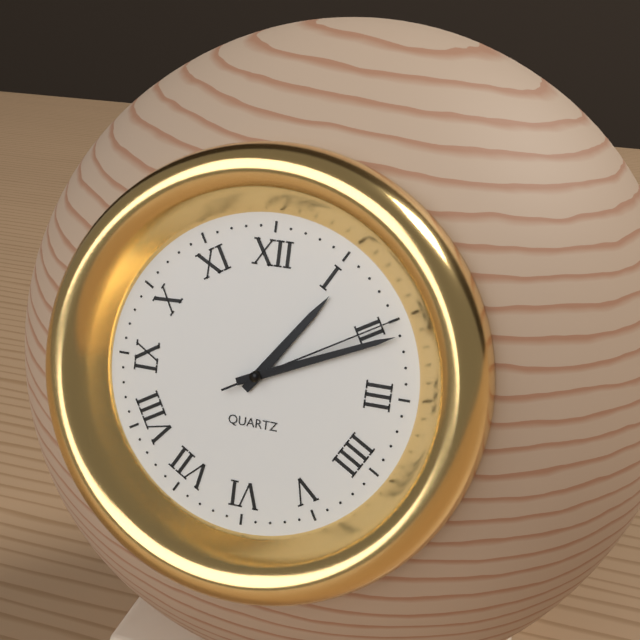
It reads 1.11.10
